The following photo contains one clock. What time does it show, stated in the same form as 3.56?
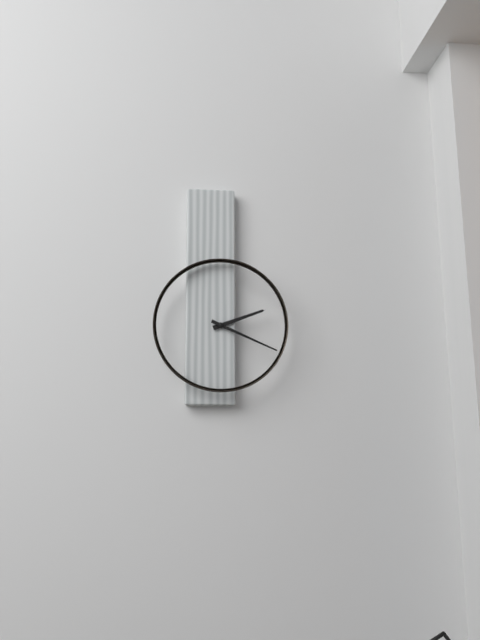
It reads 2.19
